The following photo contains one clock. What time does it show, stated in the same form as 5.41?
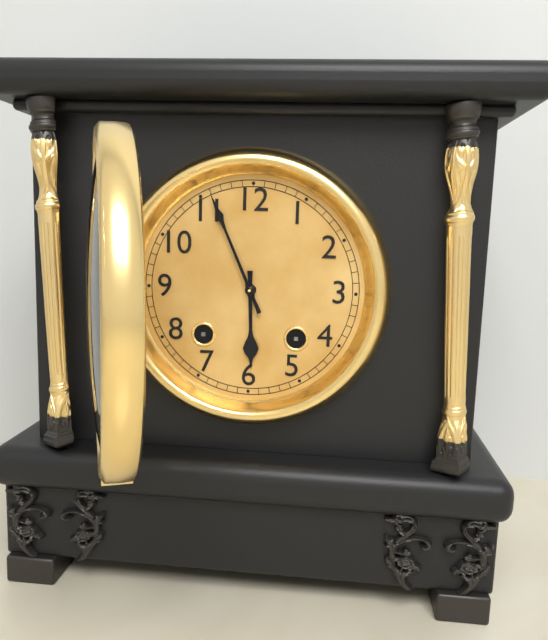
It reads 5.56
